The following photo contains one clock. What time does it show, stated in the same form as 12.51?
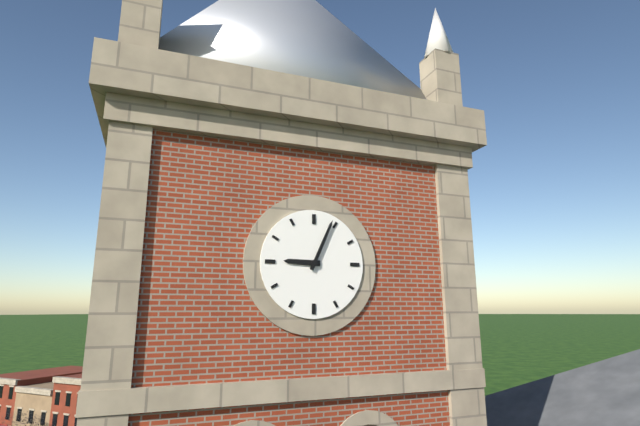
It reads 9.04
